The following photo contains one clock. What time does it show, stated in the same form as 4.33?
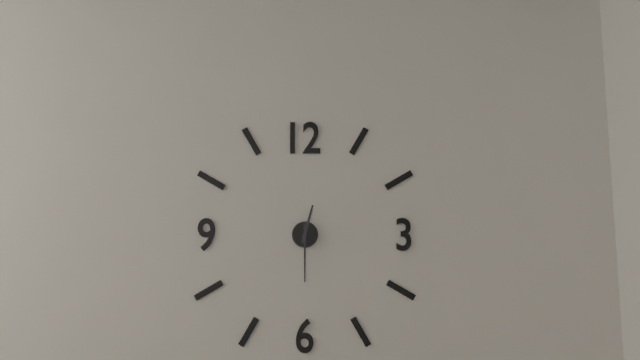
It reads 12.30
